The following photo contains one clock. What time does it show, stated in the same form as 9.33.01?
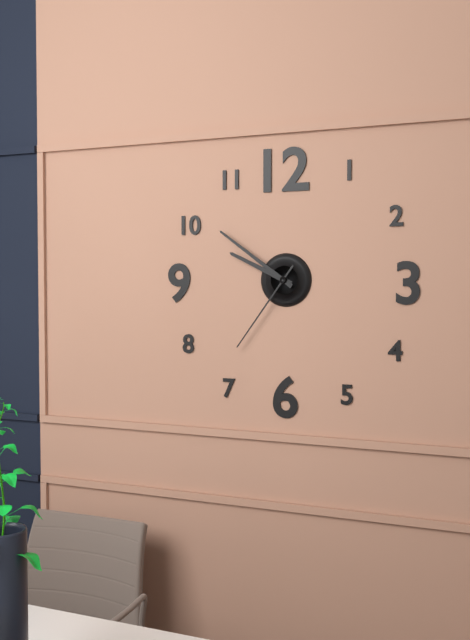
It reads 9.51.36
